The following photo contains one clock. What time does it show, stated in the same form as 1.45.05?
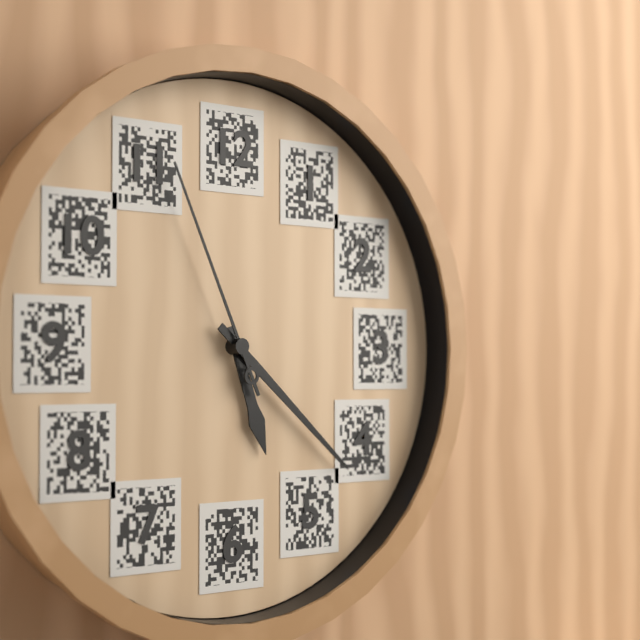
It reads 5.22.56
